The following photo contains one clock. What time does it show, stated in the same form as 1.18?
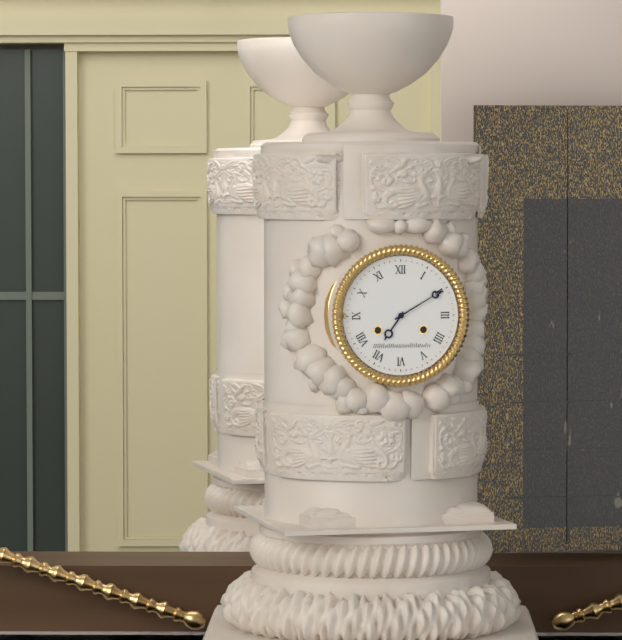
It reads 7.10
